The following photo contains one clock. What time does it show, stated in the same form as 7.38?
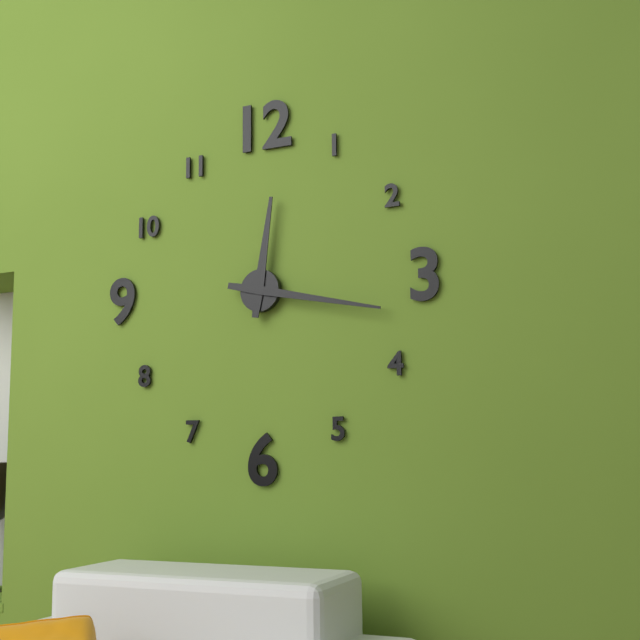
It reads 12.17
